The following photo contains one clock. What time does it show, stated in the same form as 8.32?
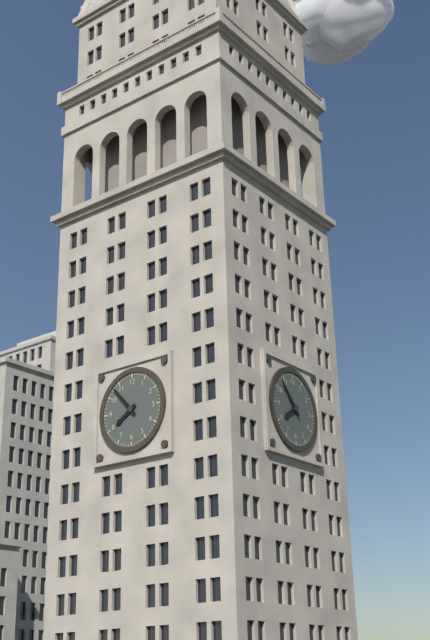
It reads 7.53
